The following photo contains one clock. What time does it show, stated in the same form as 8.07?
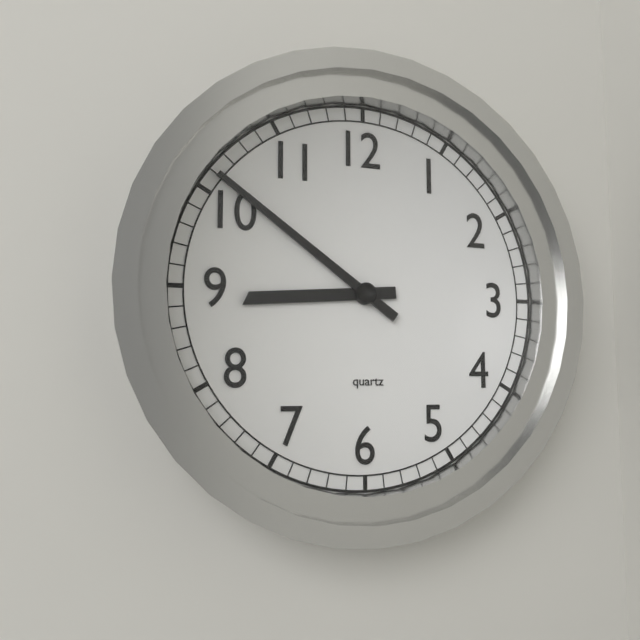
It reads 8.51
